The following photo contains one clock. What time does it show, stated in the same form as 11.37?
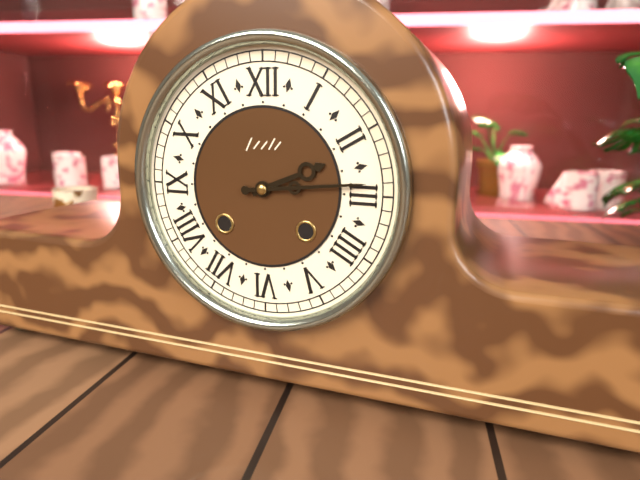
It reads 2.14
